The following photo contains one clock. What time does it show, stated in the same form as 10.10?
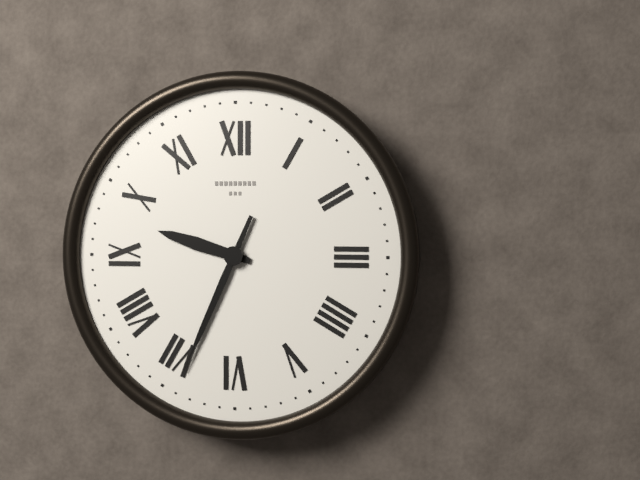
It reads 9.34
